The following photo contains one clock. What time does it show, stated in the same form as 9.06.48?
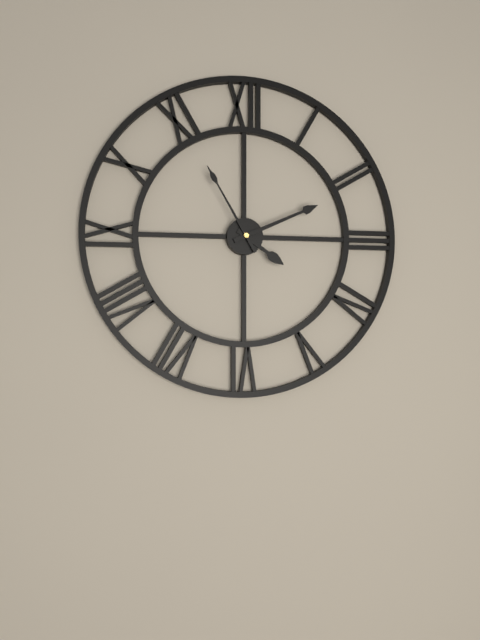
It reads 4.11.55
